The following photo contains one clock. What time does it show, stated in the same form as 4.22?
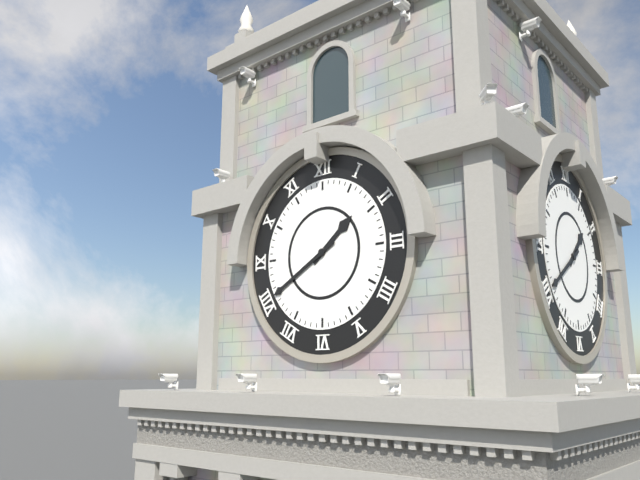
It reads 1.40
